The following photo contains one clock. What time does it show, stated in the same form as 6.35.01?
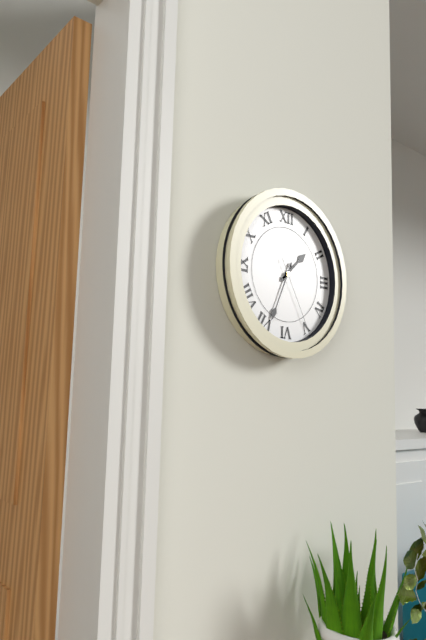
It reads 1.34.25
